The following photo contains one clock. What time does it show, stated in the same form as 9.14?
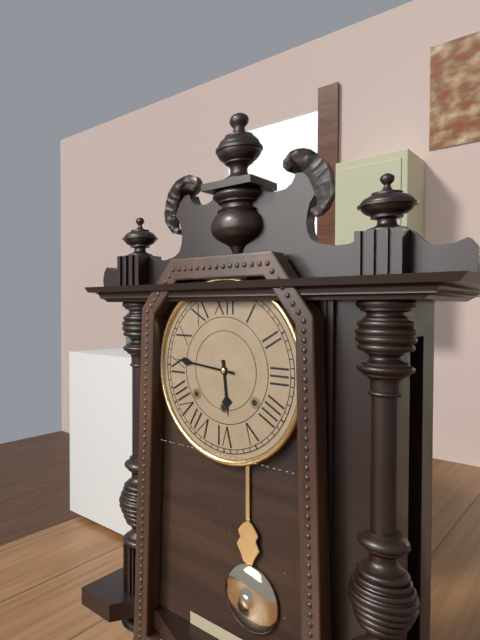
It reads 5.46
